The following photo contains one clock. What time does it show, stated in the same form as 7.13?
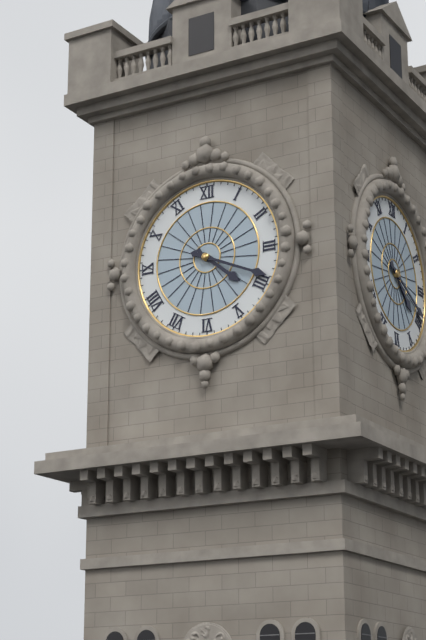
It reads 4.19
